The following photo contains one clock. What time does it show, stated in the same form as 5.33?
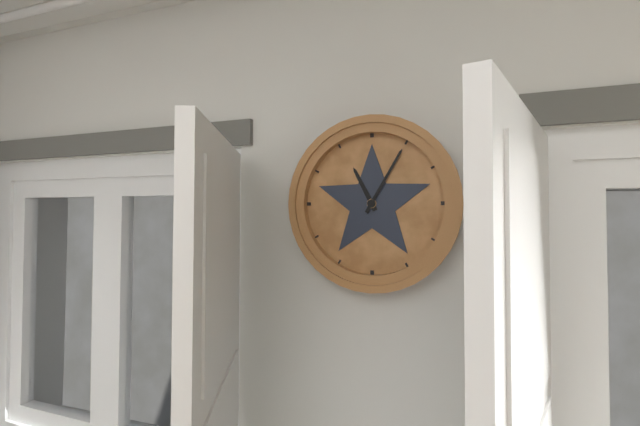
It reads 11.05
